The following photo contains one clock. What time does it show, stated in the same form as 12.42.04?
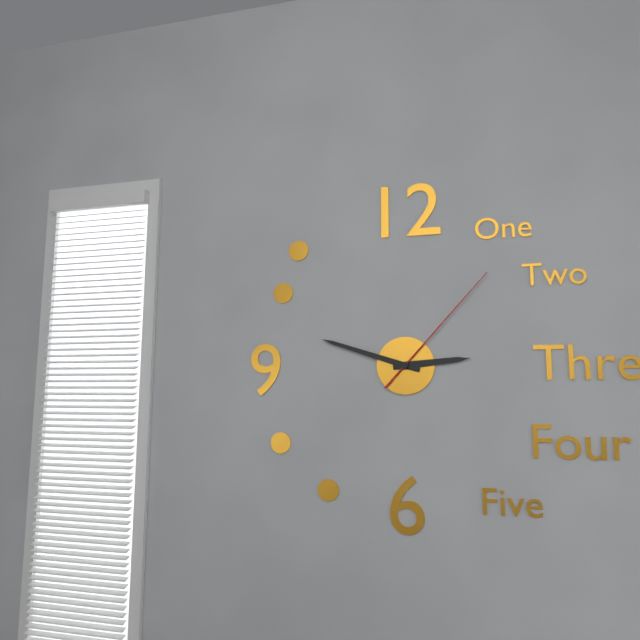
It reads 2.48.07
